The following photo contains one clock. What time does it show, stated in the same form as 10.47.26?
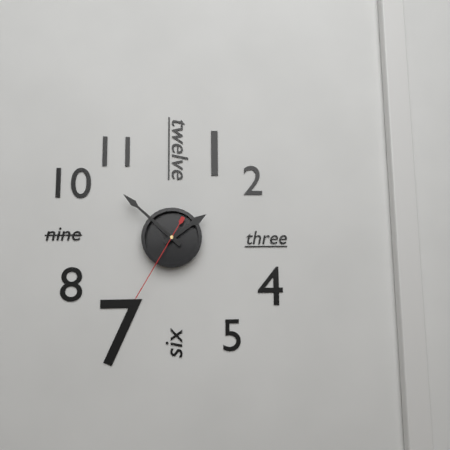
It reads 1.52.35
